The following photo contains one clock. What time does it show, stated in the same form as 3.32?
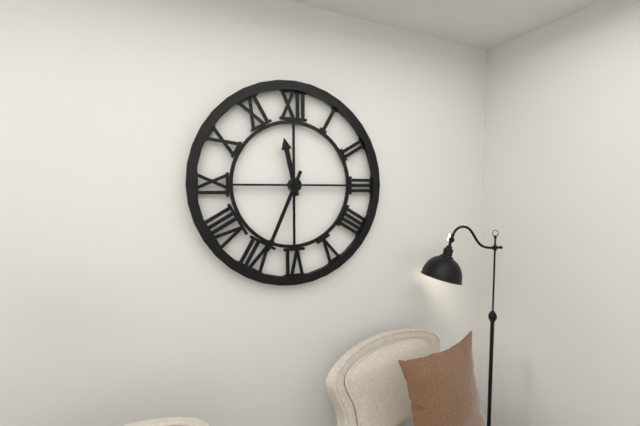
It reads 11.34
